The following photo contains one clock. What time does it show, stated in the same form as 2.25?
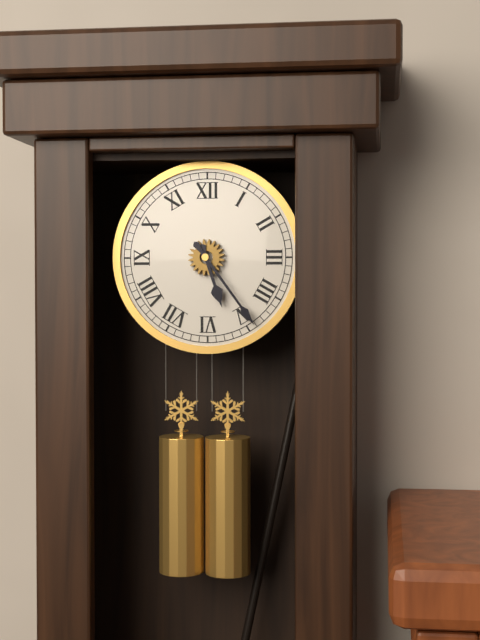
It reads 5.24
